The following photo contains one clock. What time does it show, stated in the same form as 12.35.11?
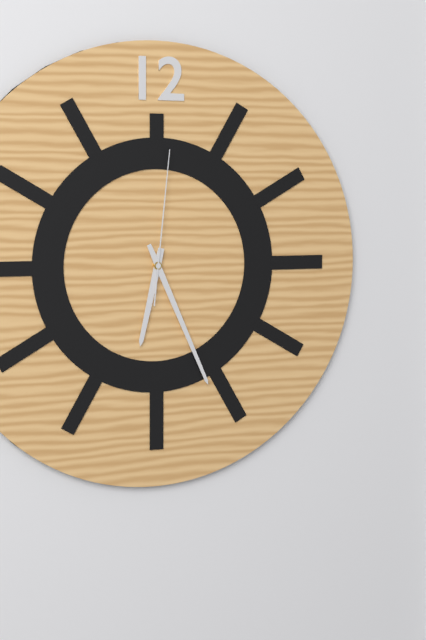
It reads 6.26.01
